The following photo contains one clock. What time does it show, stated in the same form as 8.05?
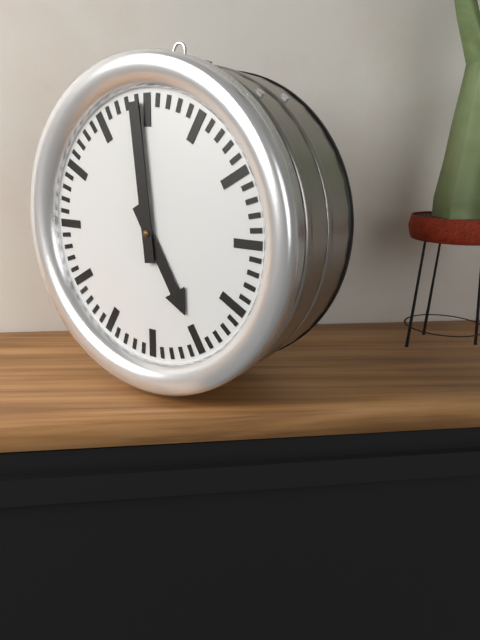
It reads 4.59
